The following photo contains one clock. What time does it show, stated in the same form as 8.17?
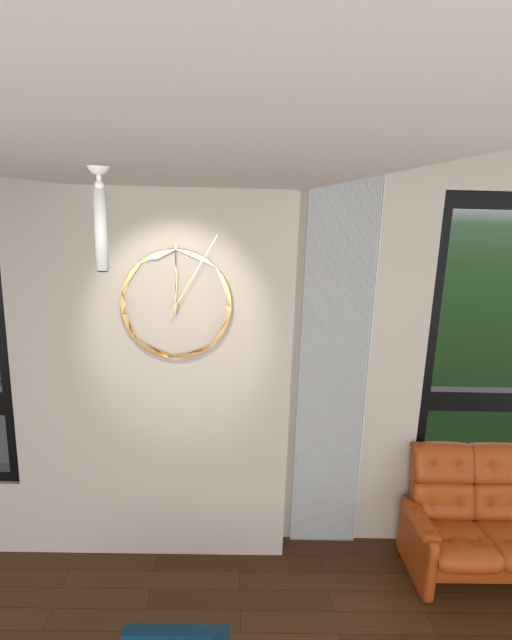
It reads 12.05
